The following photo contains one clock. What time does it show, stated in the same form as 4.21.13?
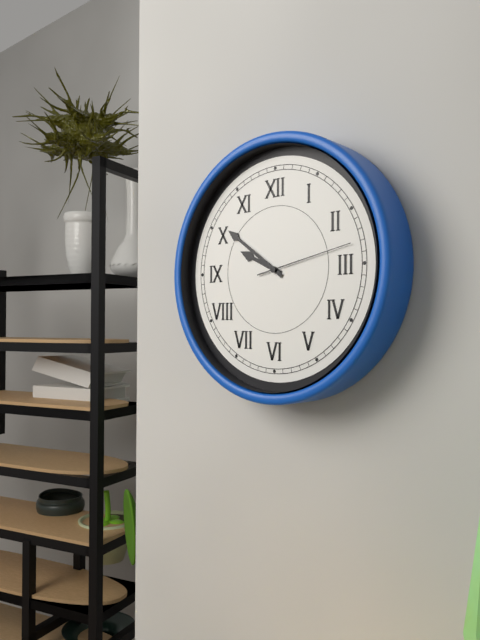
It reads 9.51.13
